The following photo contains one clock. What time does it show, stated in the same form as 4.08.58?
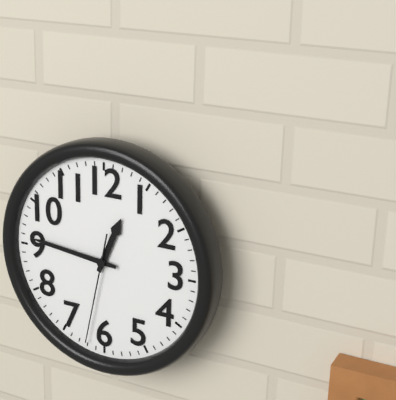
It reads 12.46.32
